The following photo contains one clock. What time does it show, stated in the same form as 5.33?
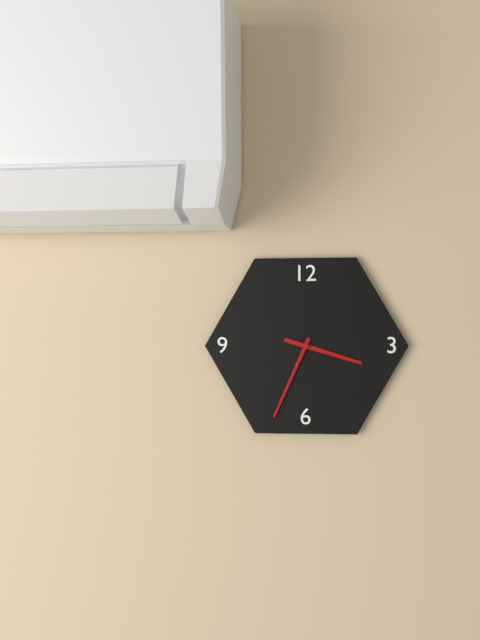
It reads 3.34
